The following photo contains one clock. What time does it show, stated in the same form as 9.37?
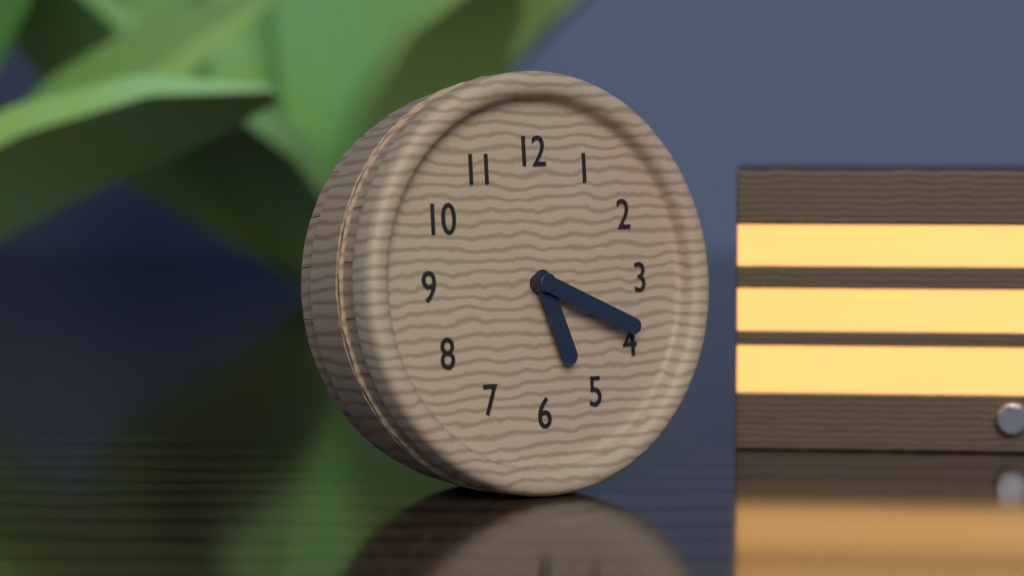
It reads 5.19
